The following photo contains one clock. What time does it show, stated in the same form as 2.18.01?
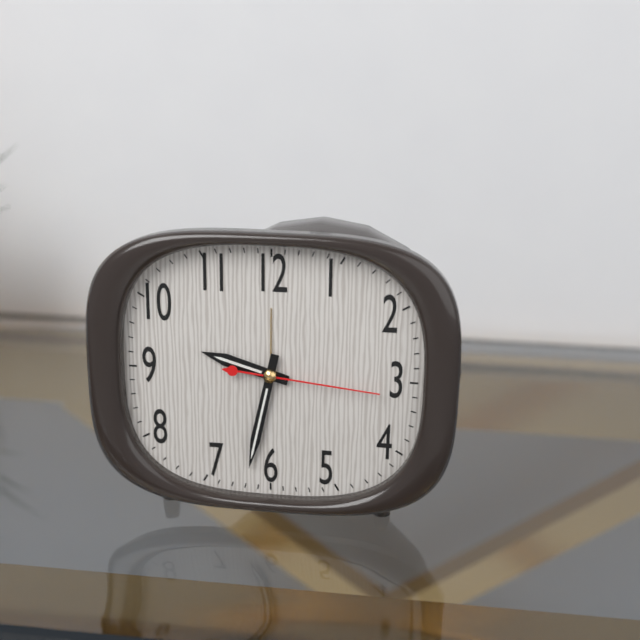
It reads 9.32.16
